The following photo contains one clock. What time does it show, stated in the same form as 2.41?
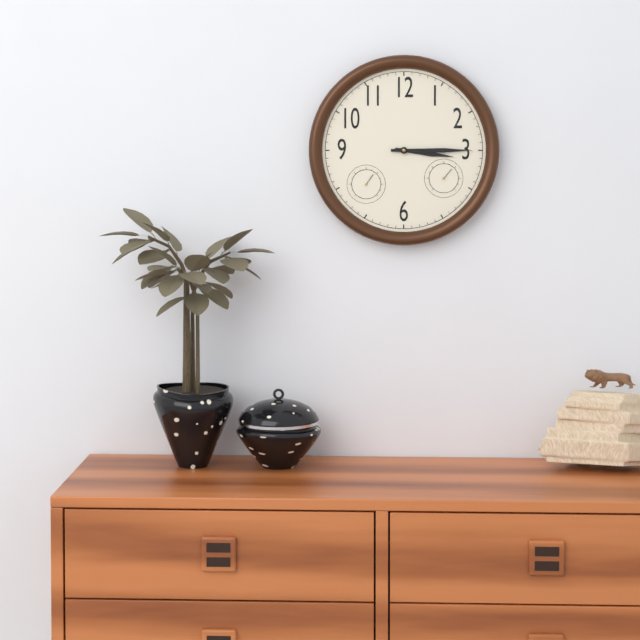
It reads 3.15
